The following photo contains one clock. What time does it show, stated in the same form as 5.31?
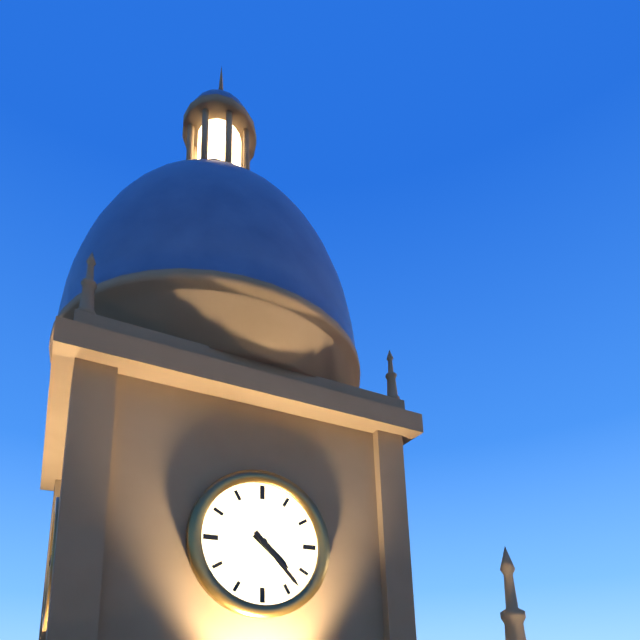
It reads 4.23
